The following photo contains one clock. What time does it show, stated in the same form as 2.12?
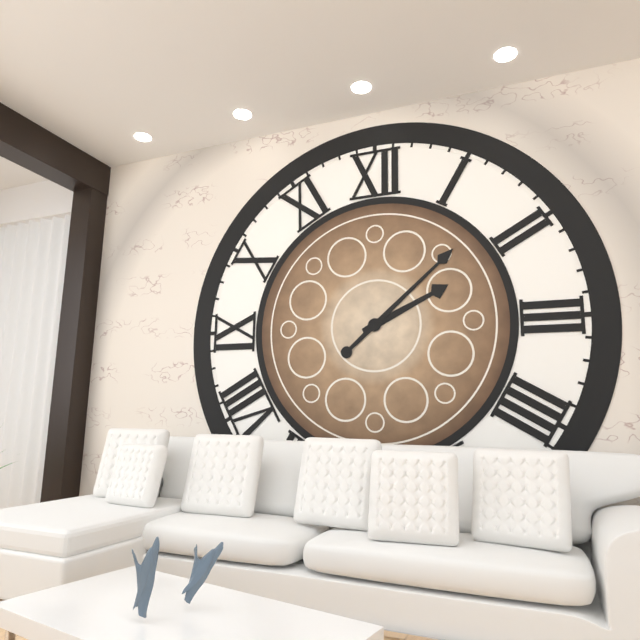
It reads 2.08
